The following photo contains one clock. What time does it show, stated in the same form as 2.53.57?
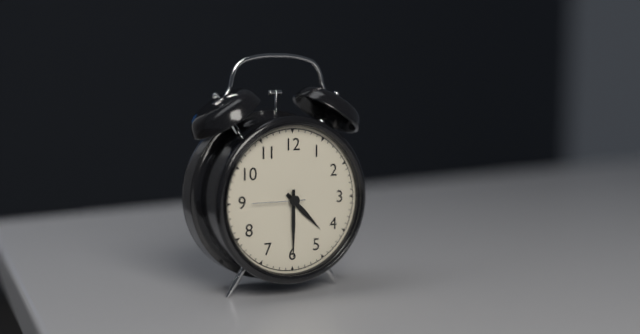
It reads 4.30.45
